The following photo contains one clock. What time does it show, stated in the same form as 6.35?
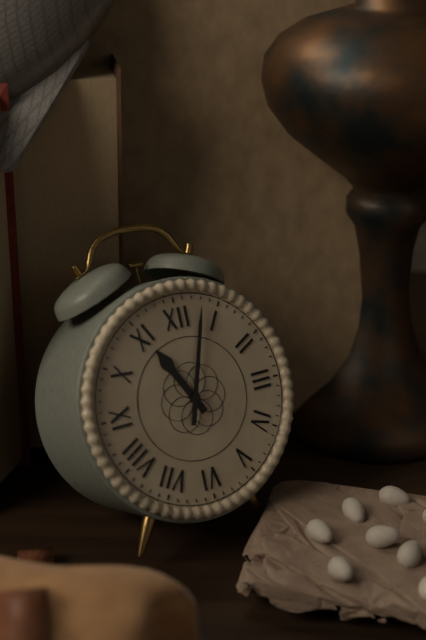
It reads 11.03
